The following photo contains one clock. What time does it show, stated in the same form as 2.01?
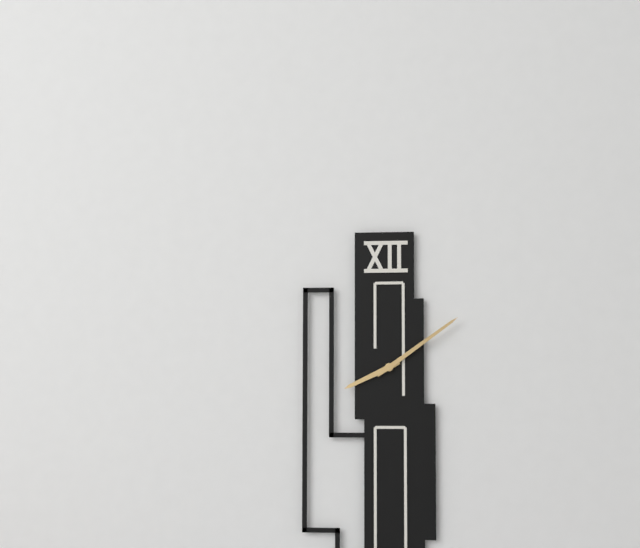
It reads 8.09
